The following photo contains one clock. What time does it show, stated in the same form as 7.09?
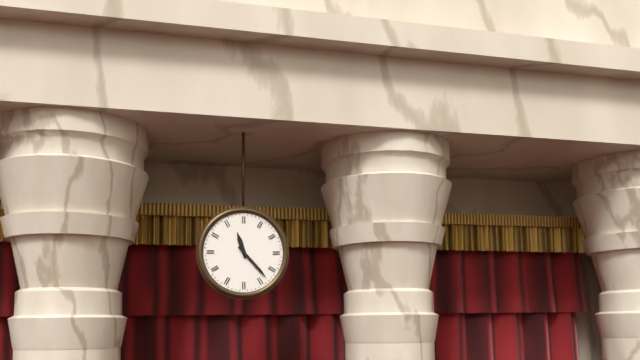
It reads 11.23
